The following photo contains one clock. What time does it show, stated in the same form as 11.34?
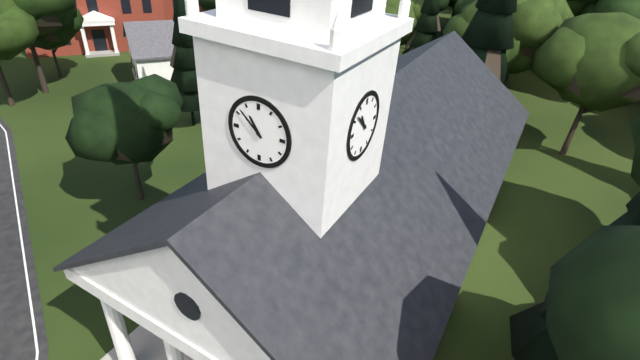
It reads 10.52
